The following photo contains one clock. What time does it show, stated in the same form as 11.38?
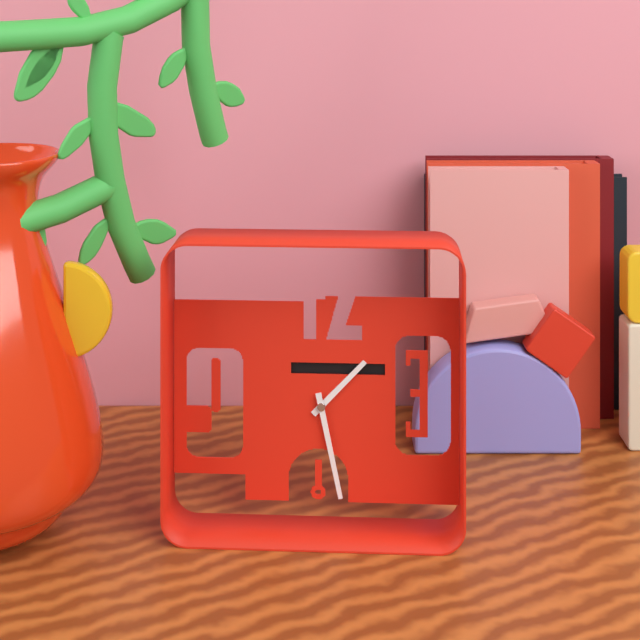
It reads 1.28
